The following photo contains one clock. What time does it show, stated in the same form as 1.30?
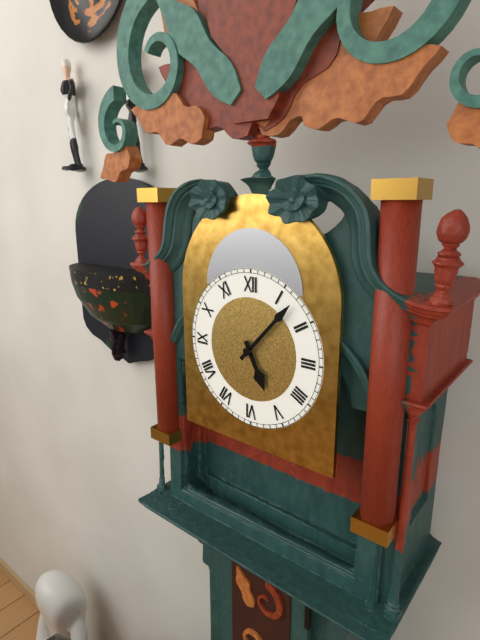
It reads 5.07
